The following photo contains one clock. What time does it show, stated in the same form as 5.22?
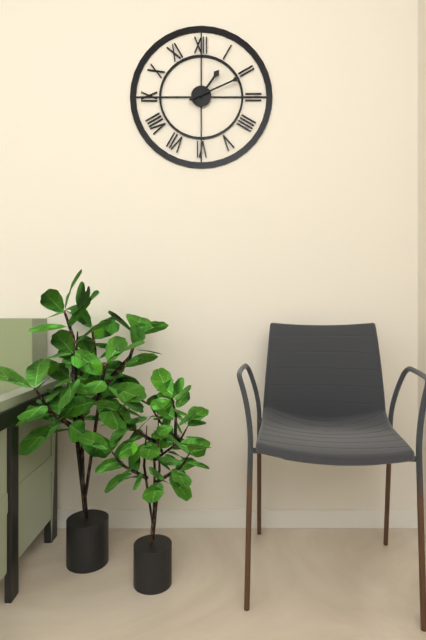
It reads 1.11
